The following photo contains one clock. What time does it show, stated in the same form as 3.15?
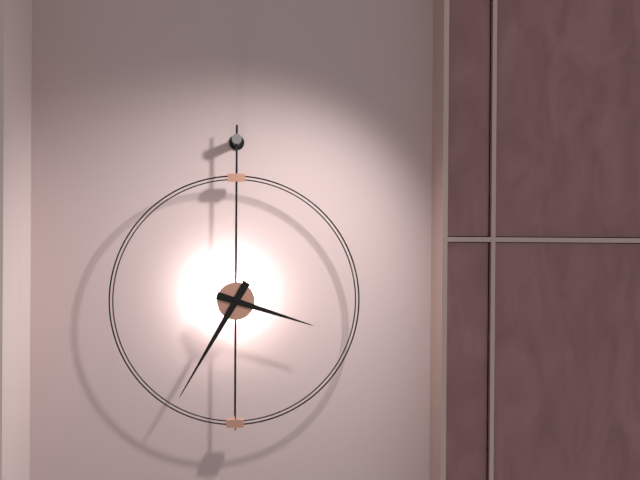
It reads 3.35
